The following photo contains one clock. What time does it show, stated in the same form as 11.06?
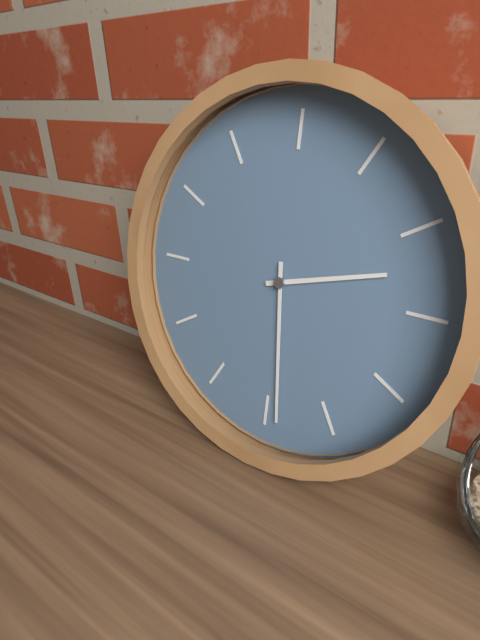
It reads 2.29
